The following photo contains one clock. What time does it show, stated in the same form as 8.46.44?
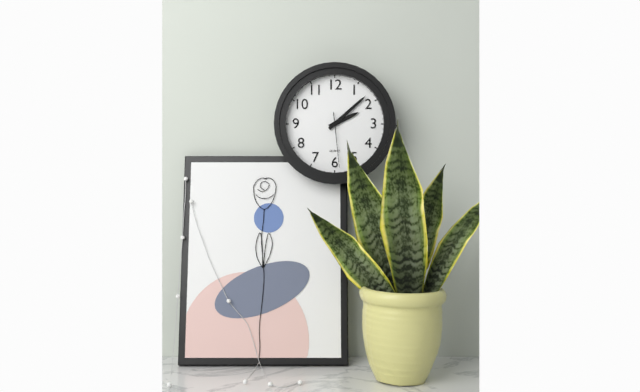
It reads 2.08.29
